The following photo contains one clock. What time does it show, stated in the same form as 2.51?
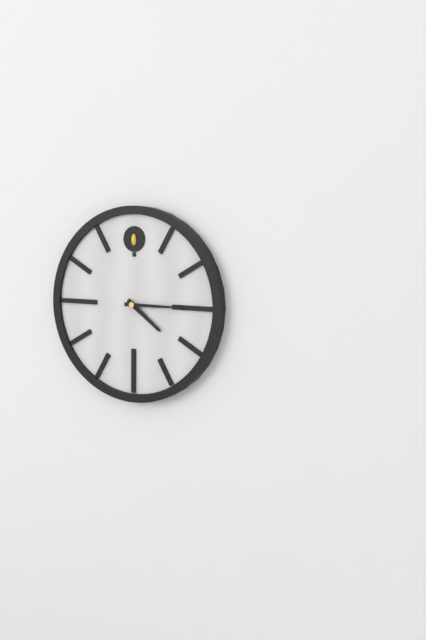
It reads 4.15
